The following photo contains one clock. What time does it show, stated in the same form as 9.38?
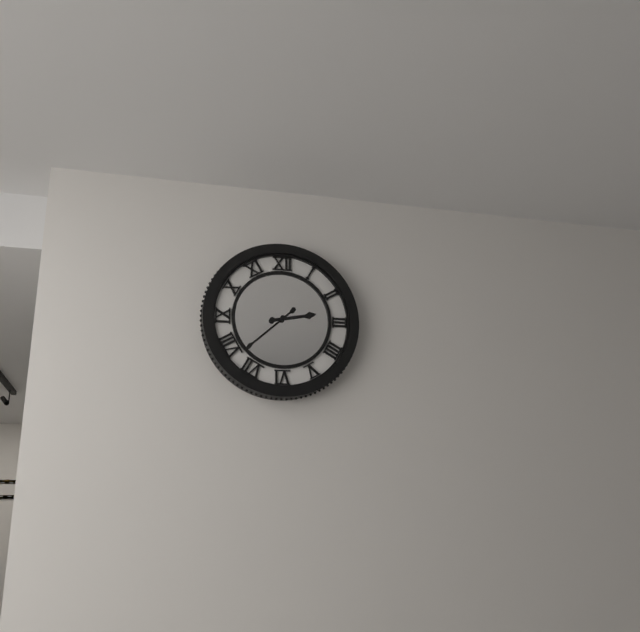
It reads 2.38
